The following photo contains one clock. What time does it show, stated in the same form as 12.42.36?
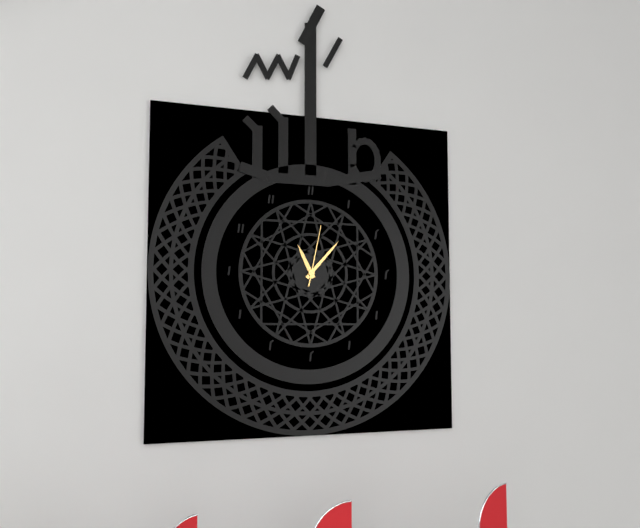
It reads 11.07.02
